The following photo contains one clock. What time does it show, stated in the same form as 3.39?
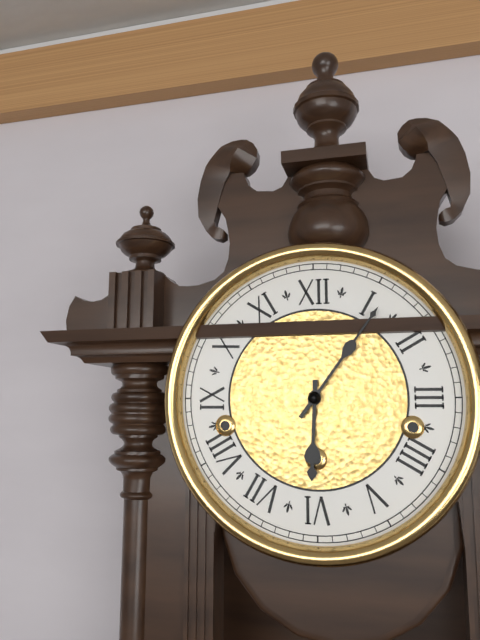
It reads 6.06
